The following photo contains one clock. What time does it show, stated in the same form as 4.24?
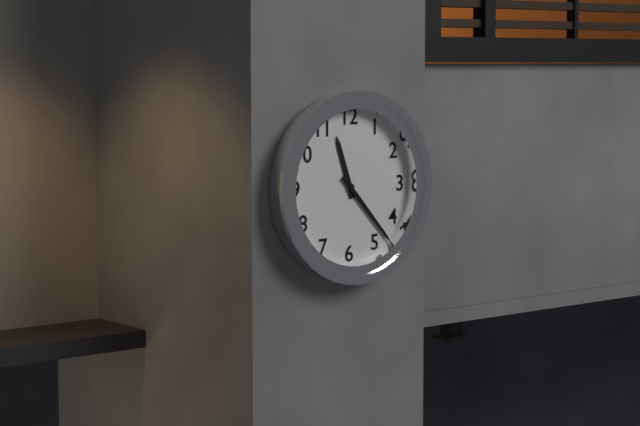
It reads 11.23
